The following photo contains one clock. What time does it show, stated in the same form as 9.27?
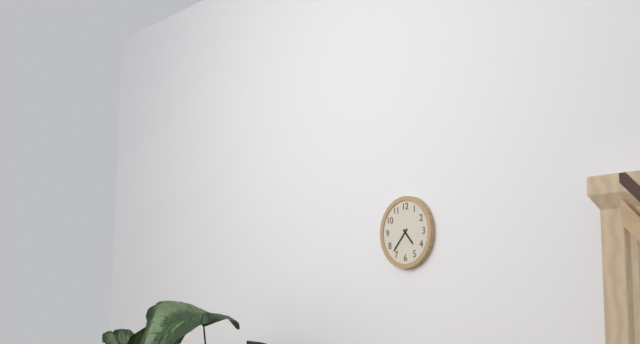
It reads 4.37
